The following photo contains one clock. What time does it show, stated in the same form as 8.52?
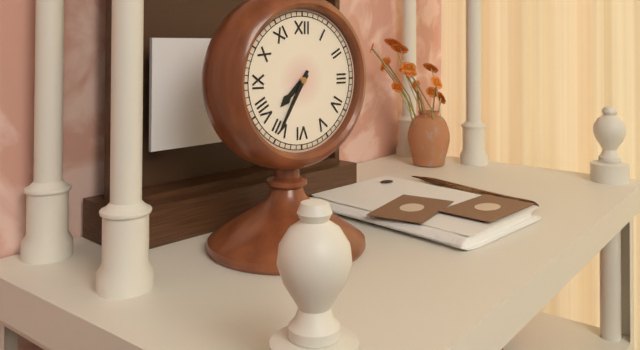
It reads 7.35
